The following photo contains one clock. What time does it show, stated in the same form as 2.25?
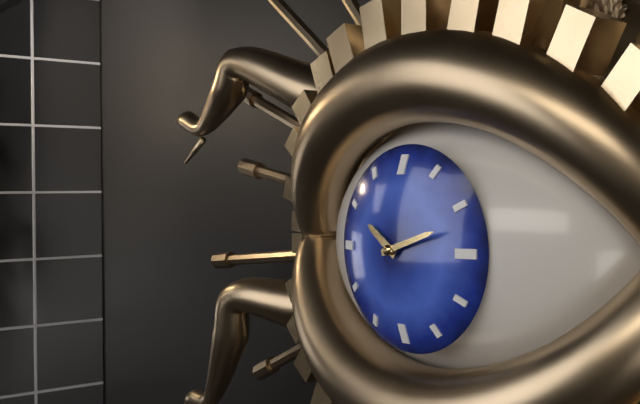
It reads 10.12
